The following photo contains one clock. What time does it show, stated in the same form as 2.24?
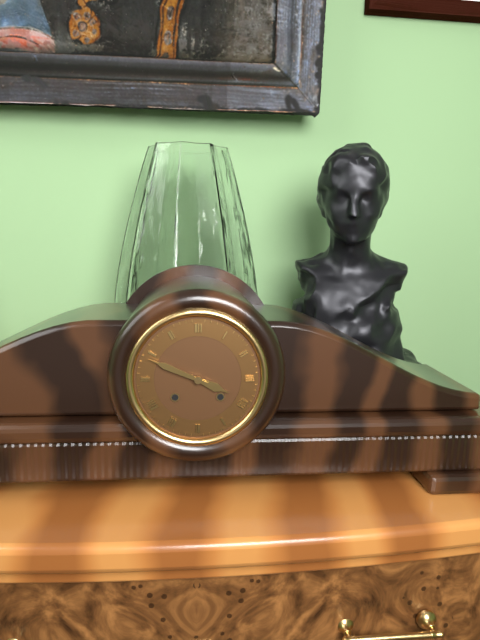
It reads 3.49
